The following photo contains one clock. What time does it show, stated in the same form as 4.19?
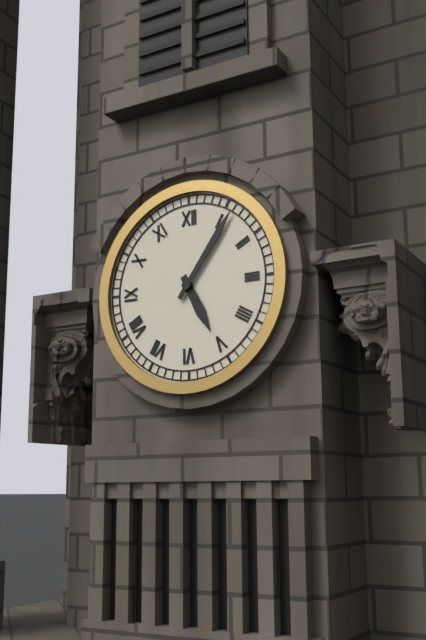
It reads 5.06
